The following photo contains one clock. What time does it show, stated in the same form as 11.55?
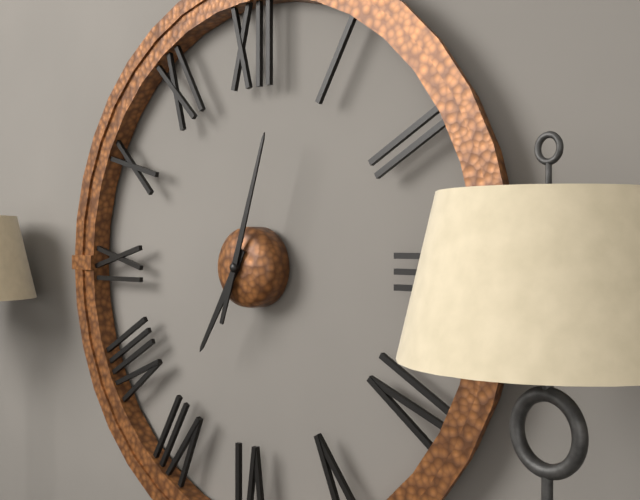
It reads 7.03
